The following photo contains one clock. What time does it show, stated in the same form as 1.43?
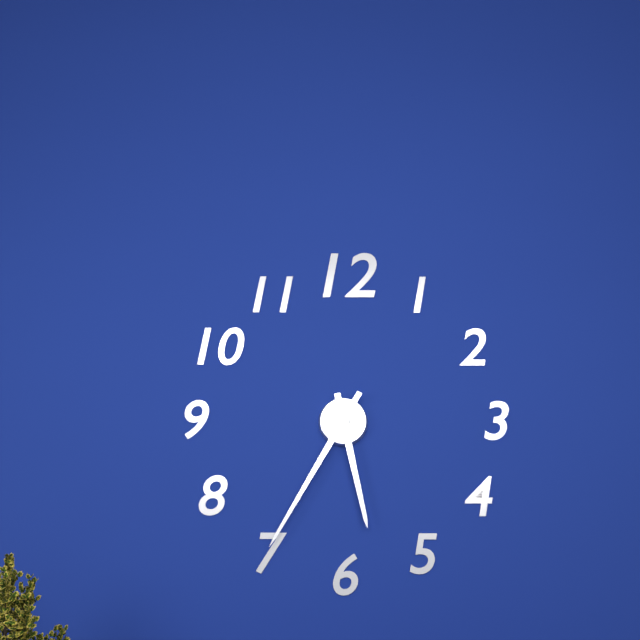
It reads 5.35
